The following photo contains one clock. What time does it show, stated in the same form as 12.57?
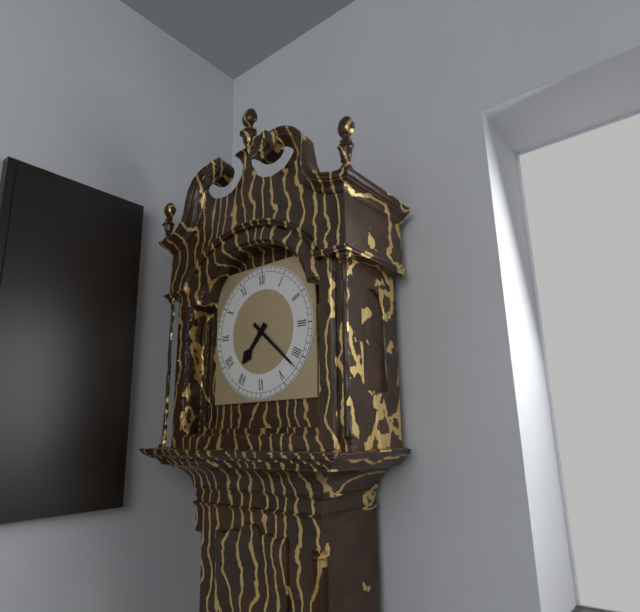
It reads 7.22
